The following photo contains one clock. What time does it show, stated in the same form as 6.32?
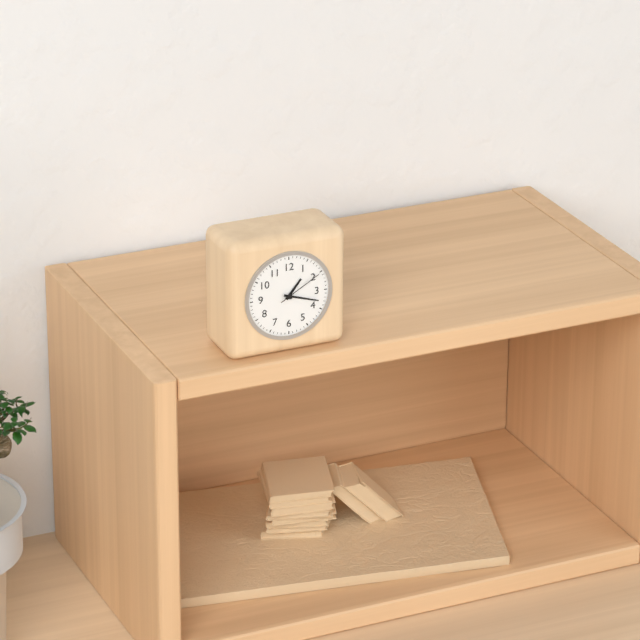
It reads 1.18
